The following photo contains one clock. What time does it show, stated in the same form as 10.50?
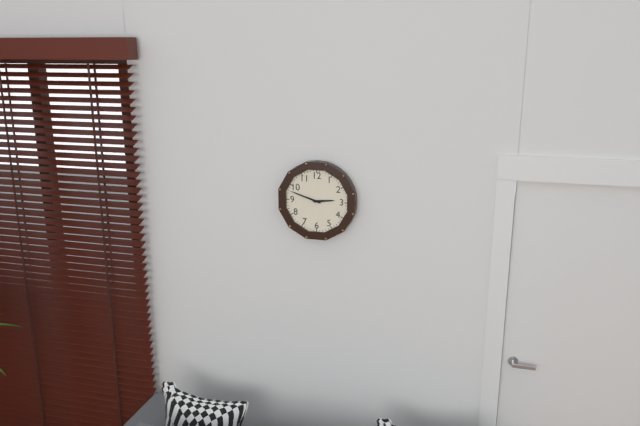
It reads 2.48
